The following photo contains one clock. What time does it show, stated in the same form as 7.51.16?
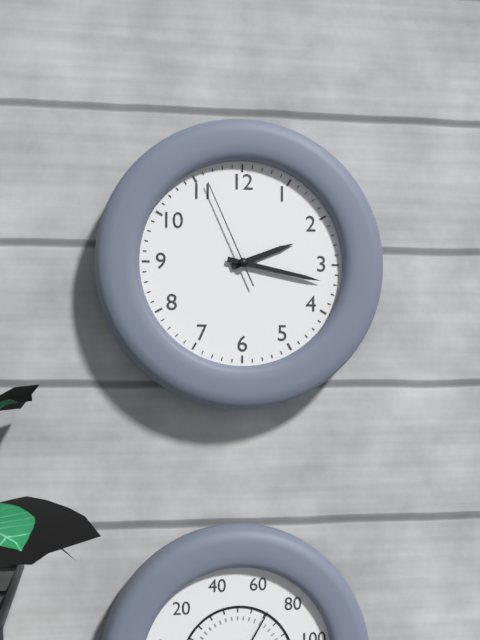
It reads 2.17.56
